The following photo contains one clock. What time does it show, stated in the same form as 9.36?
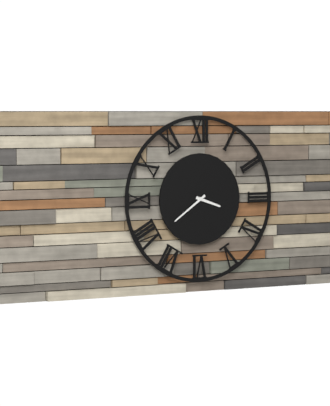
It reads 3.39
